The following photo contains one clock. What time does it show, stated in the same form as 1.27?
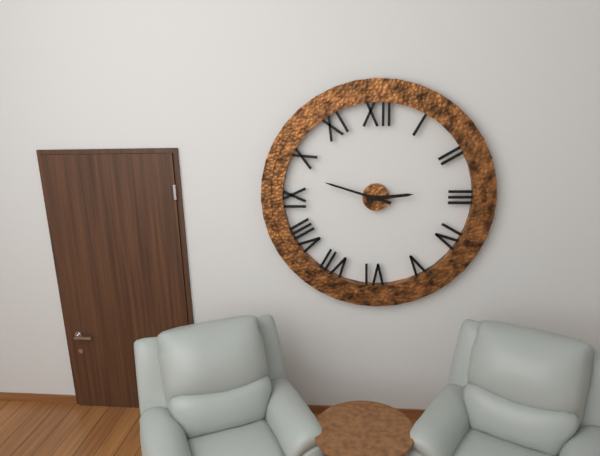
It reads 2.48
